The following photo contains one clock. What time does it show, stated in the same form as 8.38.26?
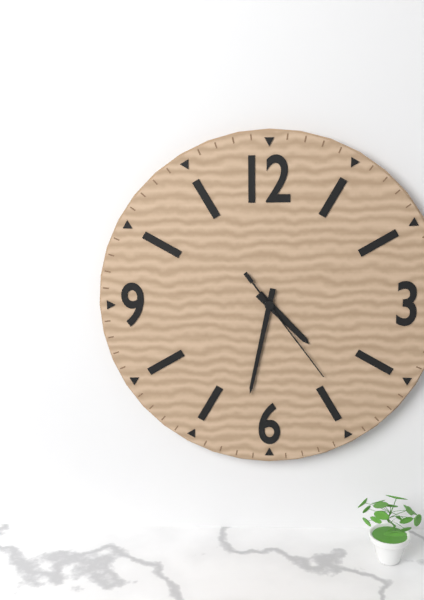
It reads 4.32.24
